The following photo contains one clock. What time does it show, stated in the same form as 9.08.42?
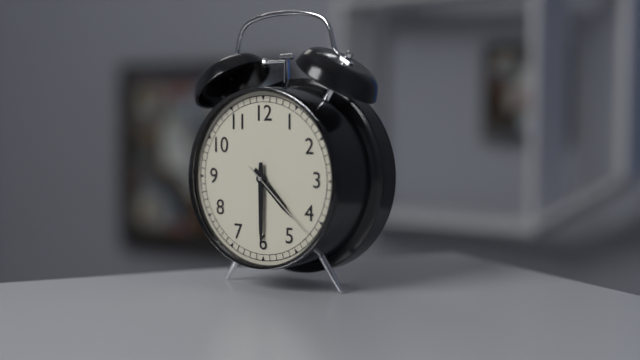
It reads 4.30.22
